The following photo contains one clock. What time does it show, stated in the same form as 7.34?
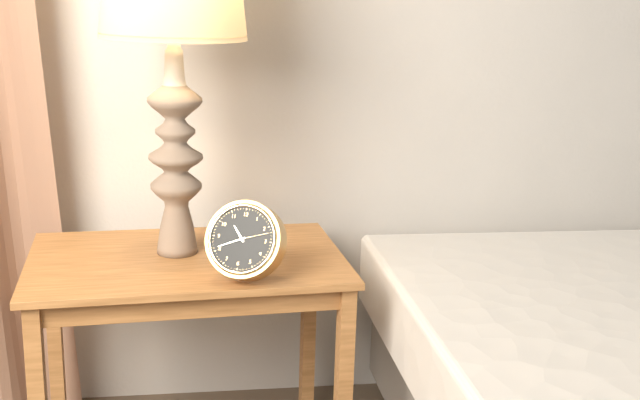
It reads 10.41
